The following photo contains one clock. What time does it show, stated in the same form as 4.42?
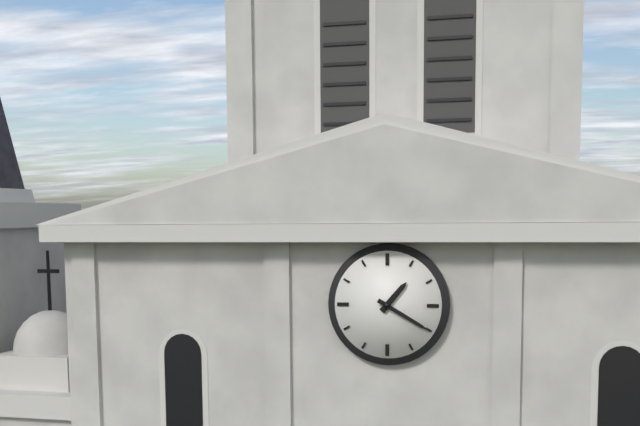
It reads 1.20
